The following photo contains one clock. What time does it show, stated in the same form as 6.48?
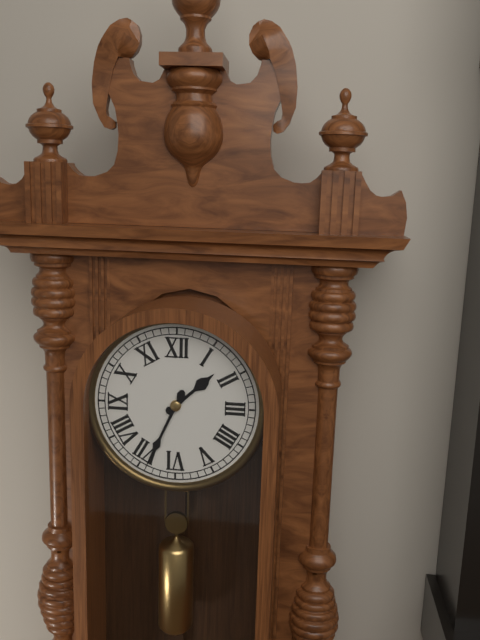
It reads 1.34
